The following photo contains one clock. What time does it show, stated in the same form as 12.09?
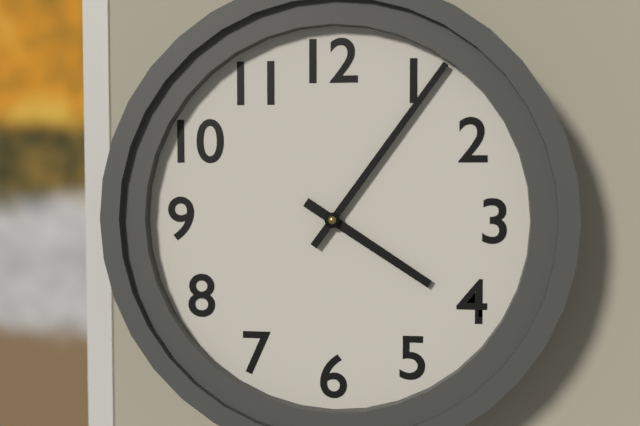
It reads 4.06
